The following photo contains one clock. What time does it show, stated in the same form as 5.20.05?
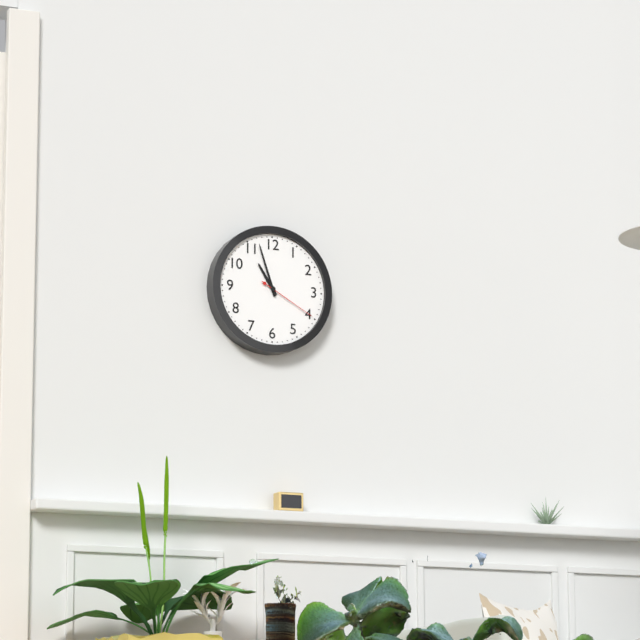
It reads 10.57.20
